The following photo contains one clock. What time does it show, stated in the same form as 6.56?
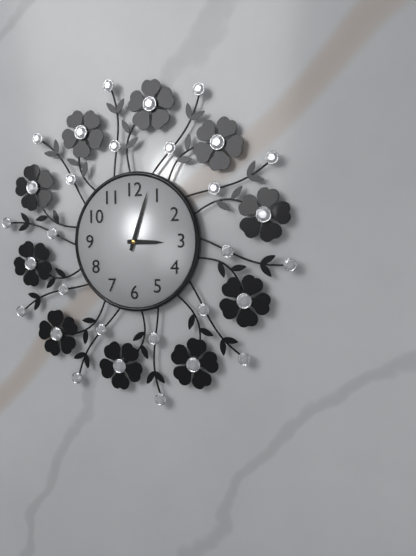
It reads 3.03
